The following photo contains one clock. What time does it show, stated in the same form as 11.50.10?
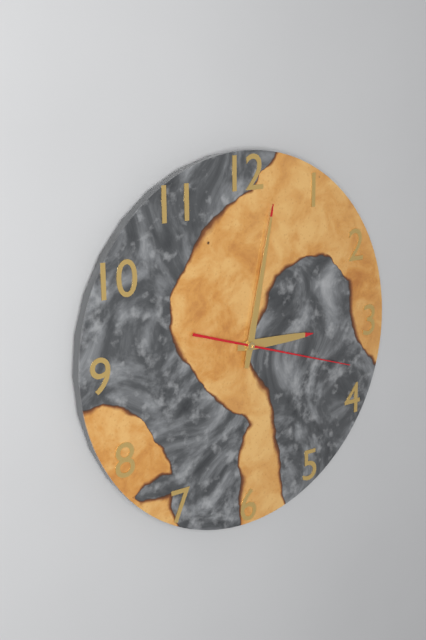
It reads 3.02.18
